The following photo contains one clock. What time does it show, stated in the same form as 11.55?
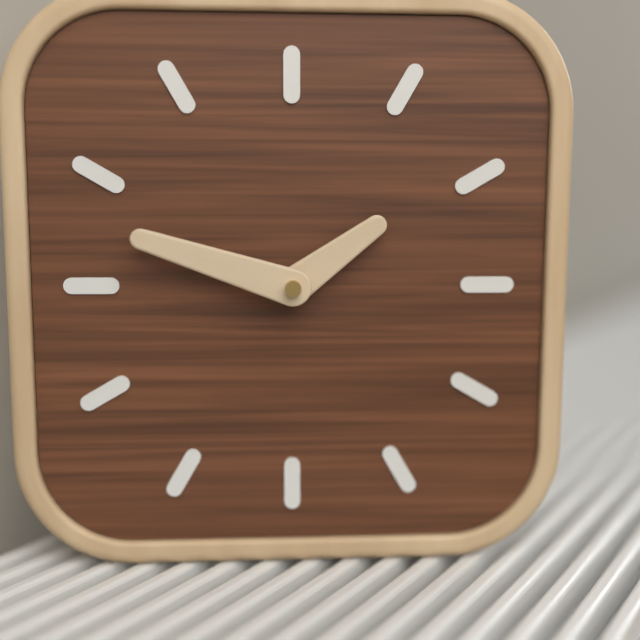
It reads 1.48
